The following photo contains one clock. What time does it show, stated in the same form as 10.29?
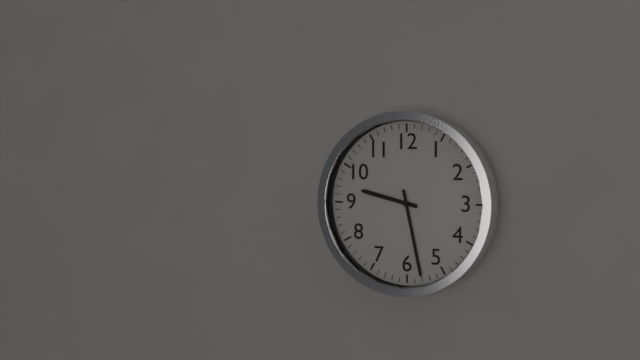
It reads 9.28
